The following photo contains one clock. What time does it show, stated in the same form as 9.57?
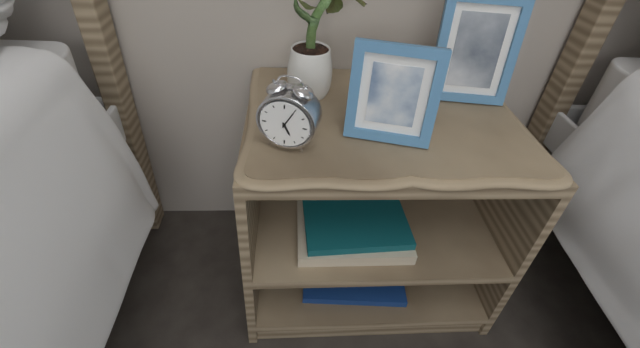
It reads 5.05
